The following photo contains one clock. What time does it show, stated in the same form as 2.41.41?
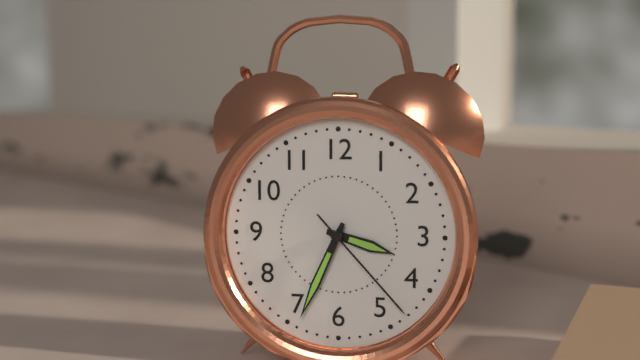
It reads 3.34.23
